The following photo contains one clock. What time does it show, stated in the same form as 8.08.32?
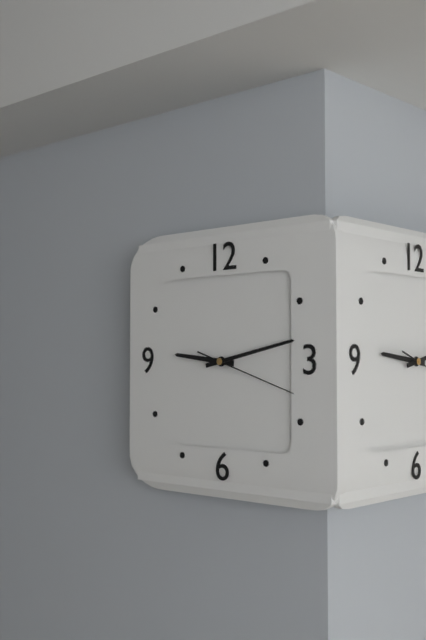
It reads 9.13.18
